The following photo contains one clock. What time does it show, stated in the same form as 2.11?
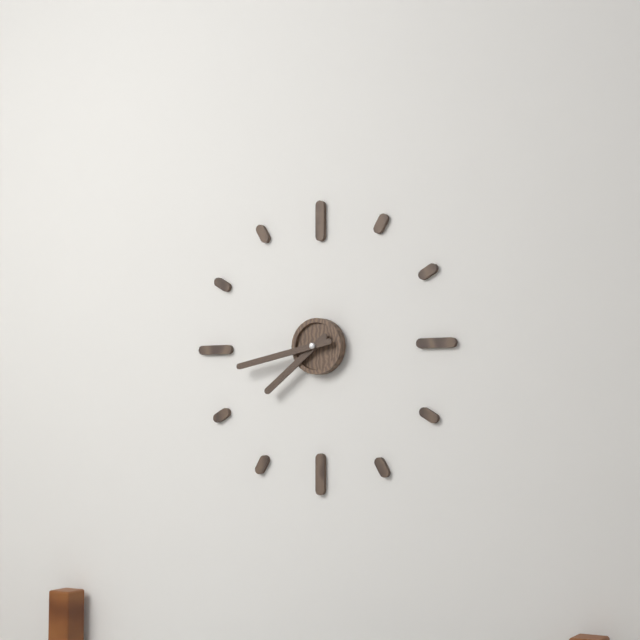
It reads 7.43
